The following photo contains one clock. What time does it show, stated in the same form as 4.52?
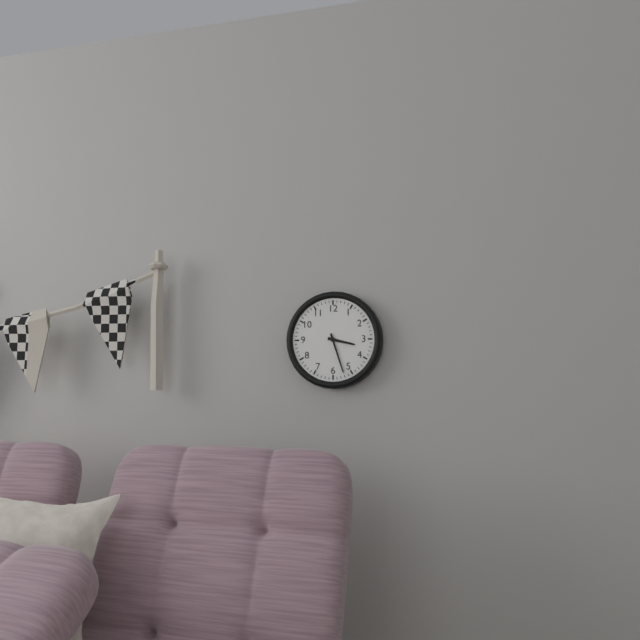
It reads 3.27
